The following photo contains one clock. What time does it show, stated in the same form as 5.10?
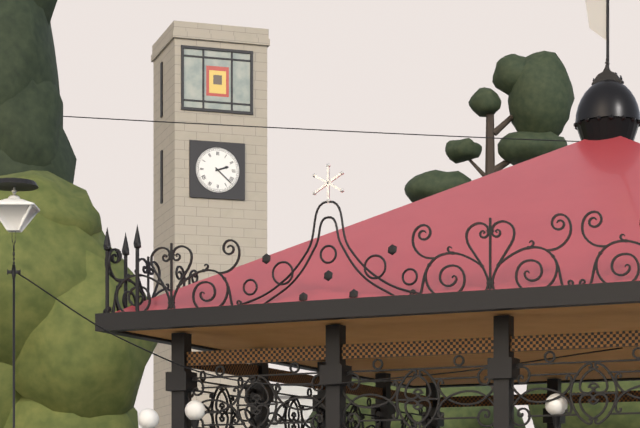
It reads 2.22
